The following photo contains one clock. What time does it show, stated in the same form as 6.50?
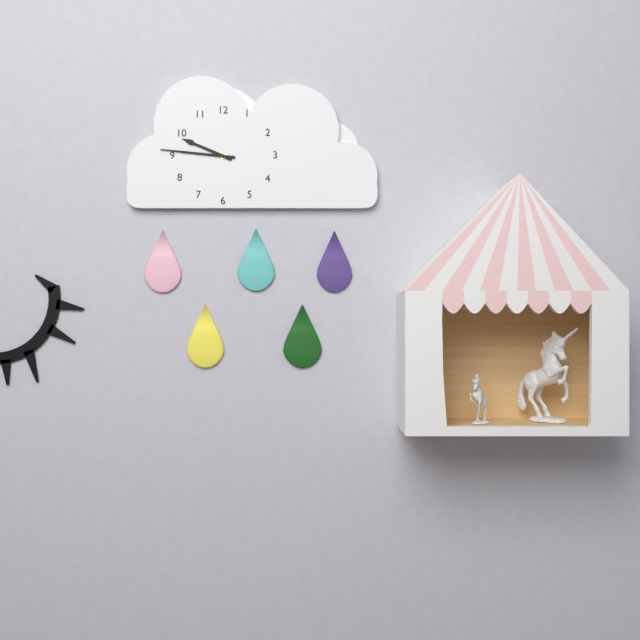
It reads 9.46
